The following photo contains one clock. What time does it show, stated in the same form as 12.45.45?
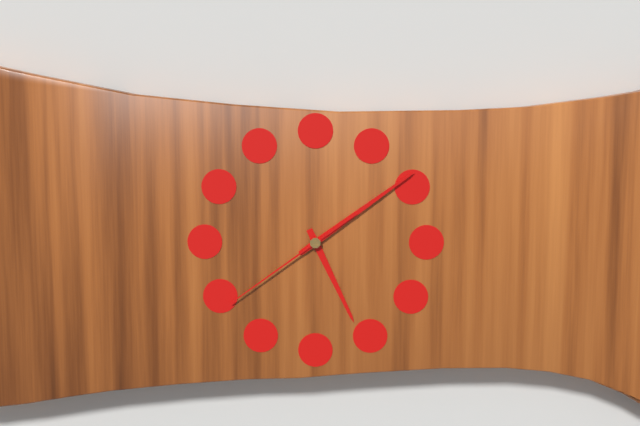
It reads 5.09.39
